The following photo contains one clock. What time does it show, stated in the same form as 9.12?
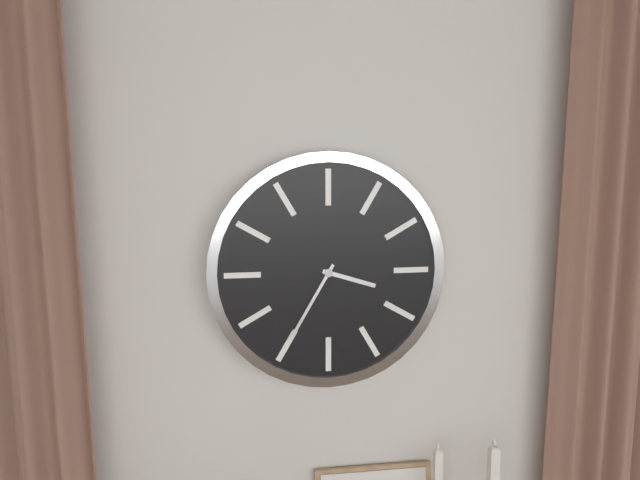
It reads 3.35
